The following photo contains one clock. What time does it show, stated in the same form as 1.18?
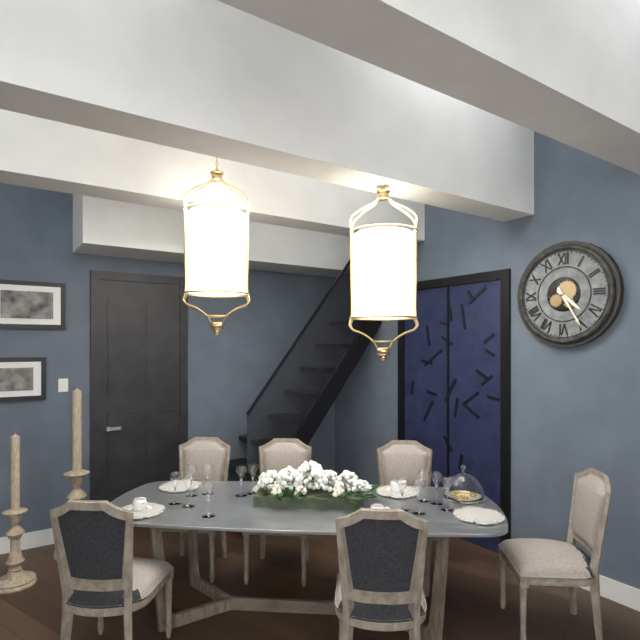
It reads 4.25
